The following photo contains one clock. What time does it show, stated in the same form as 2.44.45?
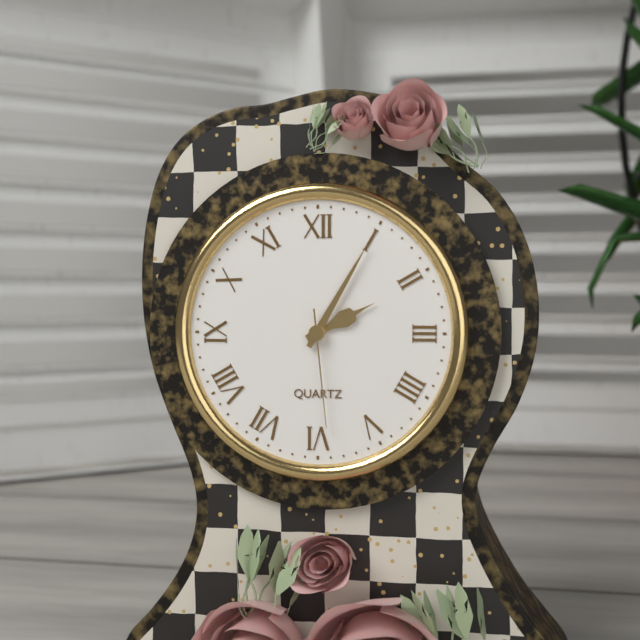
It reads 2.05.29
